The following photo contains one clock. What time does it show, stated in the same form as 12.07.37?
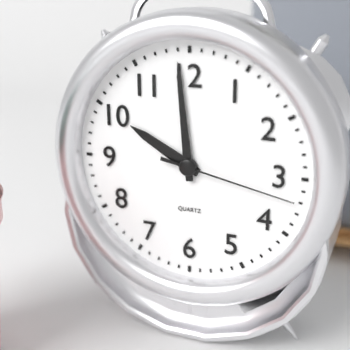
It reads 9.59.17
